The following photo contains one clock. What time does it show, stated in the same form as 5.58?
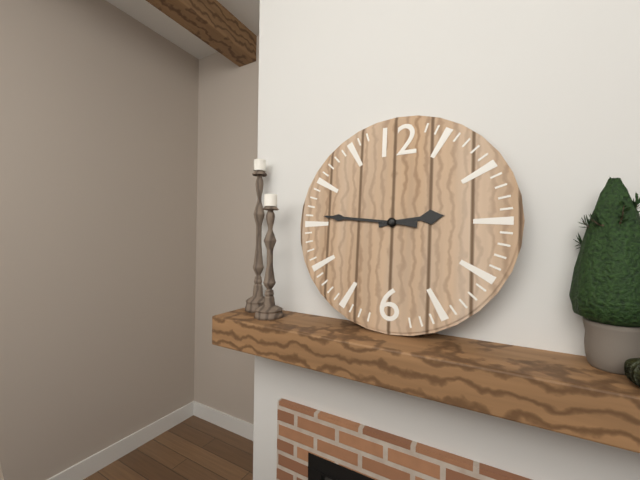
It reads 2.46
